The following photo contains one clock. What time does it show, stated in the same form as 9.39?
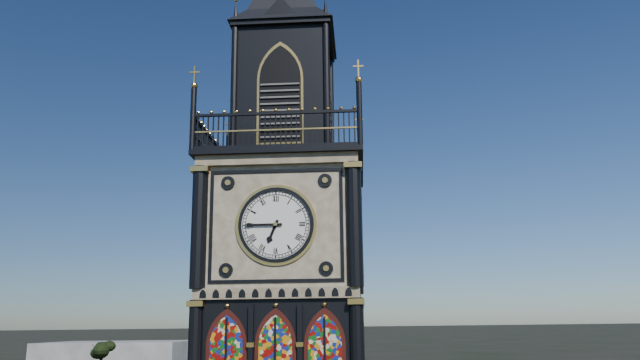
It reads 6.45
